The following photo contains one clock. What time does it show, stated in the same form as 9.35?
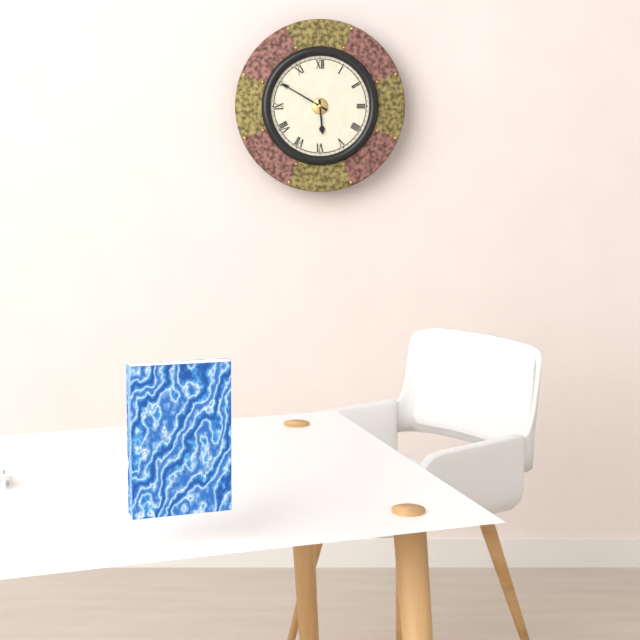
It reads 5.50
